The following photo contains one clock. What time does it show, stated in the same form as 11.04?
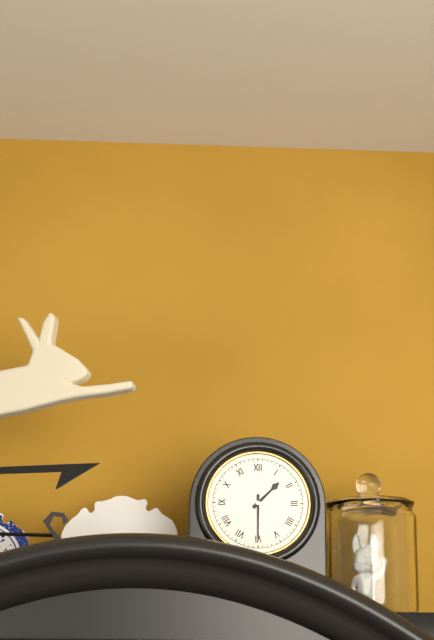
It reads 1.30
